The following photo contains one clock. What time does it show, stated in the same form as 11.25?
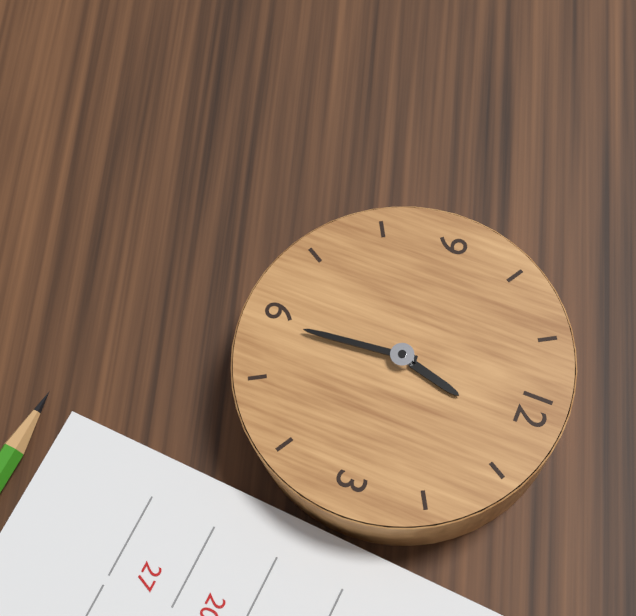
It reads 12.29
